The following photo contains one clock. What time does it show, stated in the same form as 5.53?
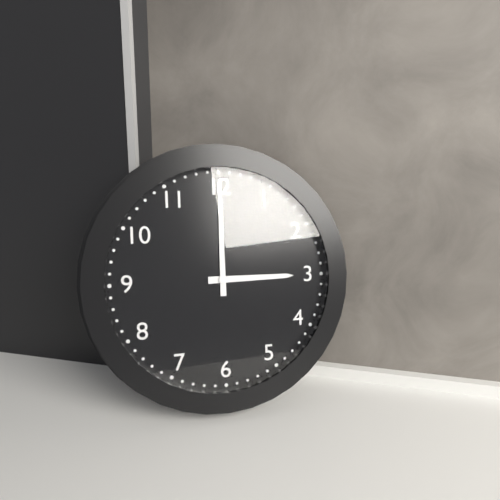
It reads 3.00
